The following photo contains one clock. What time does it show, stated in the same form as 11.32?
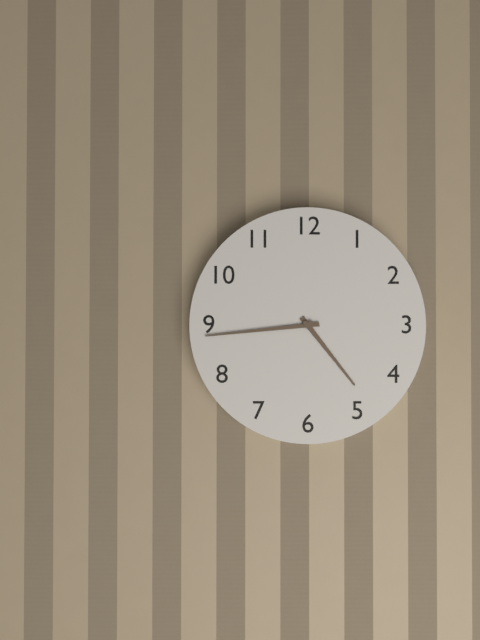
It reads 4.44
